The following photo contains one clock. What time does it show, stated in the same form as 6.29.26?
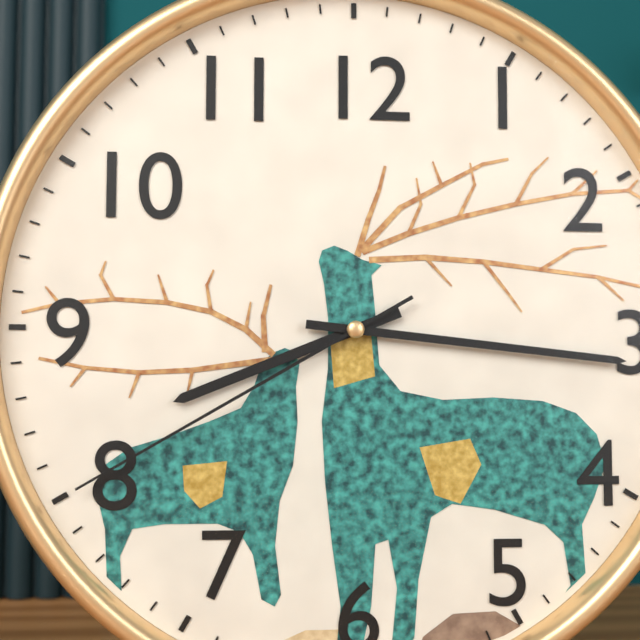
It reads 8.16.40
